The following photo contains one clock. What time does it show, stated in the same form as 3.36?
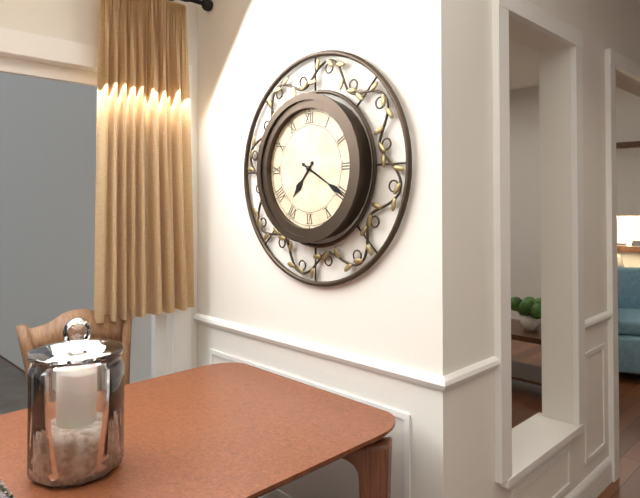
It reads 7.20
